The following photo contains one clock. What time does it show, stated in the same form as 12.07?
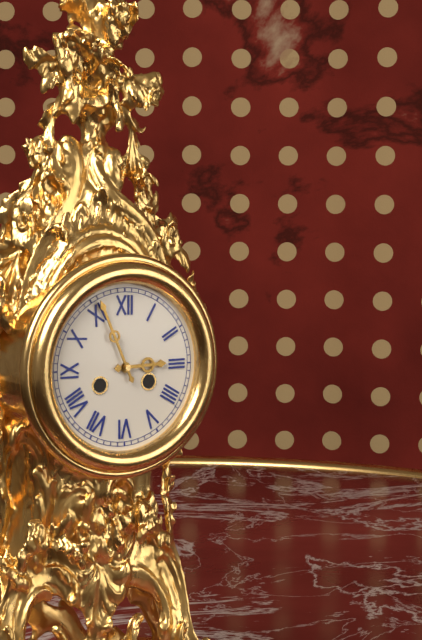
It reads 2.56
